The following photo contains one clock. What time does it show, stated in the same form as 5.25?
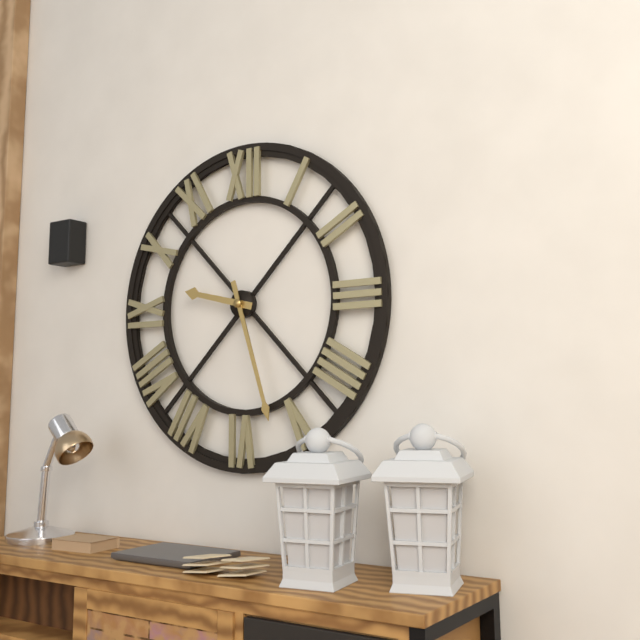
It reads 9.27
